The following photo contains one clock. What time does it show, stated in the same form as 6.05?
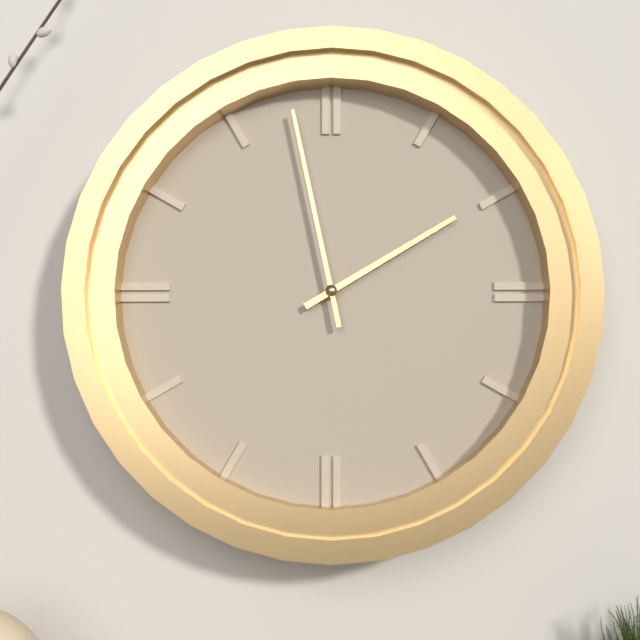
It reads 1.58
